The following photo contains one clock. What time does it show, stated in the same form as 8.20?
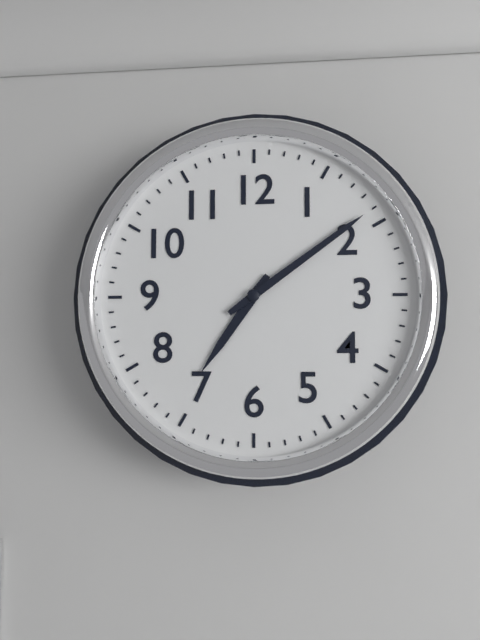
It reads 7.09
